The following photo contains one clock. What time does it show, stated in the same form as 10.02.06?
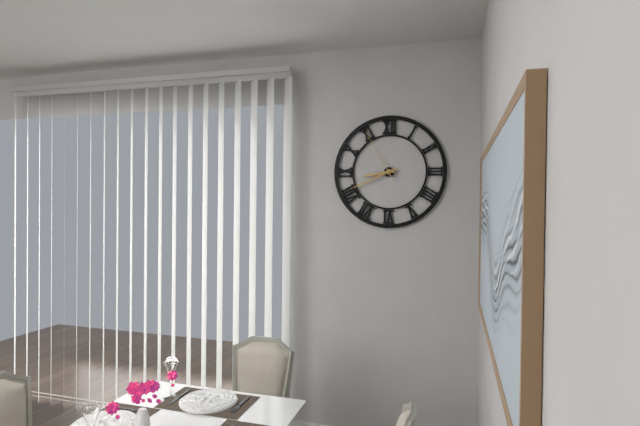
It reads 8.41.55
